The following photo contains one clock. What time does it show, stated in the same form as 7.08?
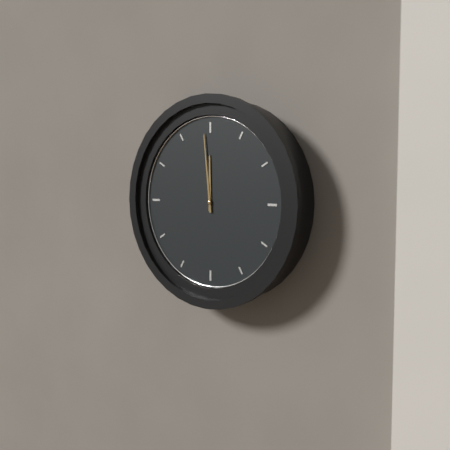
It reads 11.59
